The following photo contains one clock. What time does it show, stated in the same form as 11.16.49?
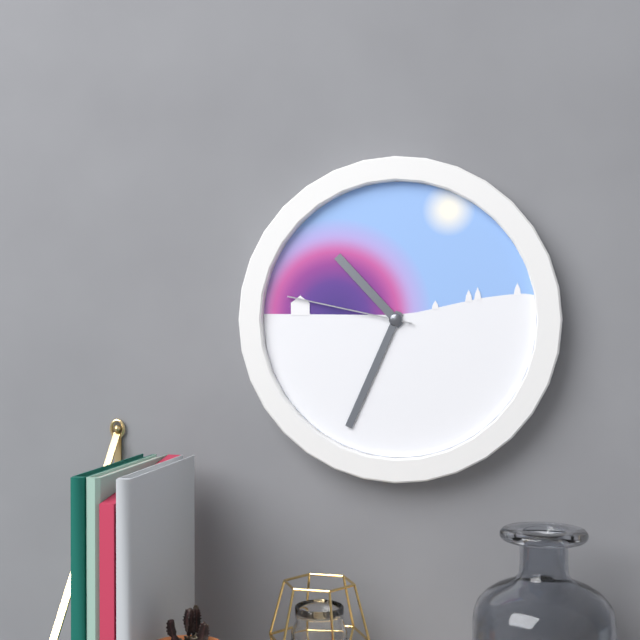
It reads 10.34.47
